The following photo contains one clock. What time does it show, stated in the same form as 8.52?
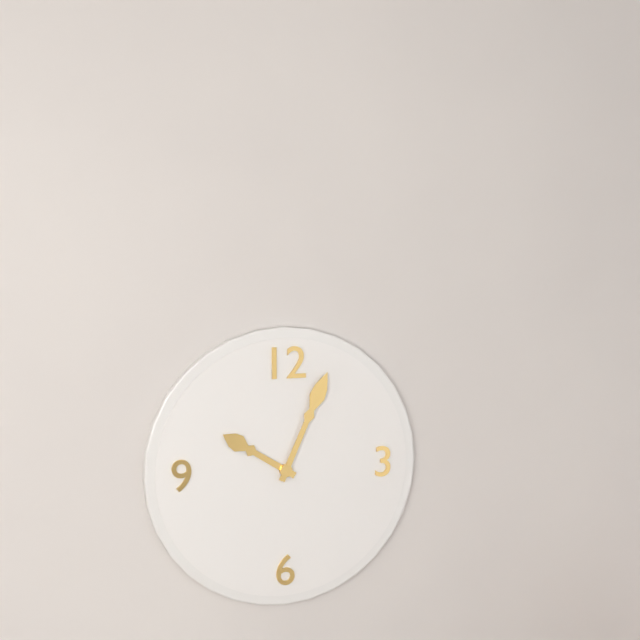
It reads 10.04
